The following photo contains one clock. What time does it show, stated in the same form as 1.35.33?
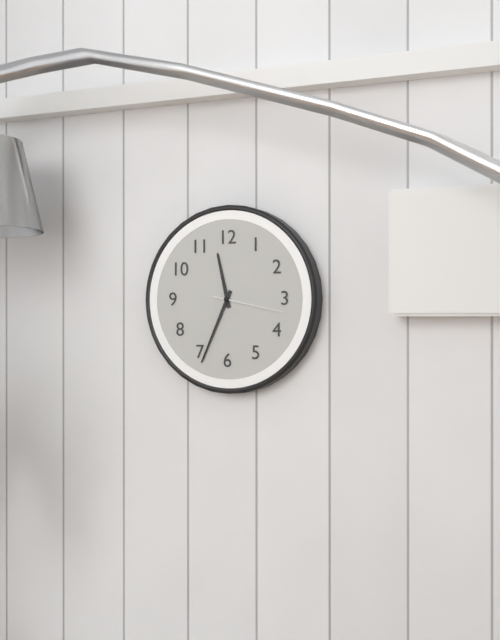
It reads 11.34.17
